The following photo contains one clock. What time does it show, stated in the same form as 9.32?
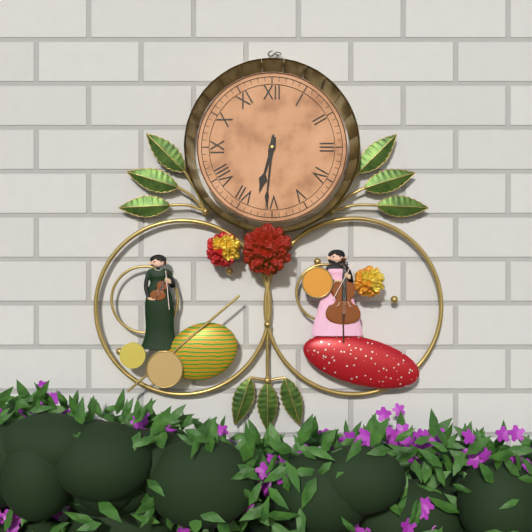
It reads 6.31
